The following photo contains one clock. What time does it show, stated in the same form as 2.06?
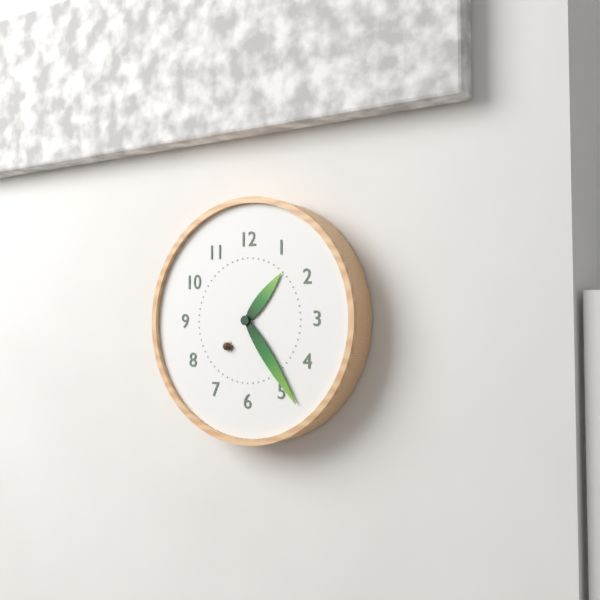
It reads 1.24
